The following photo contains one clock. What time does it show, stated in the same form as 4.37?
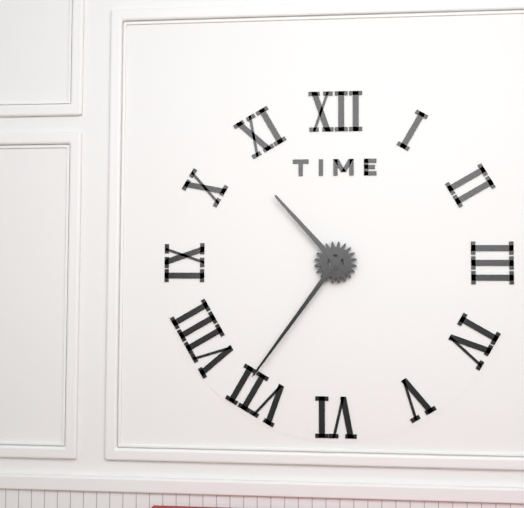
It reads 10.36
